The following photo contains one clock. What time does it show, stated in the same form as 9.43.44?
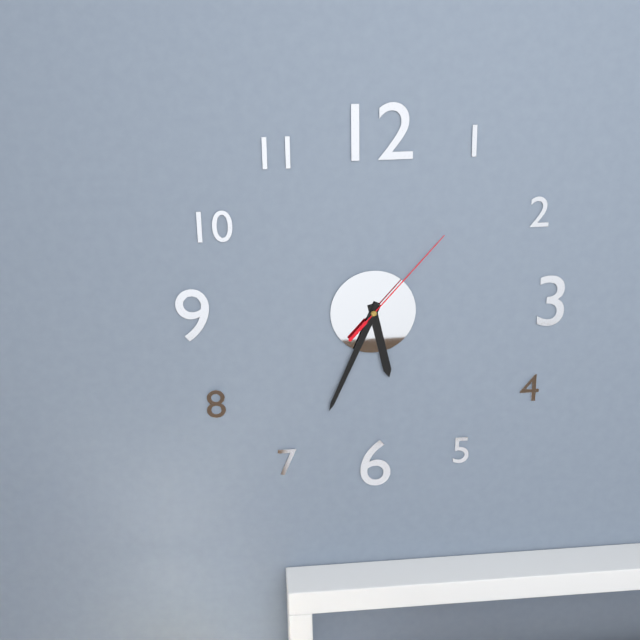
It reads 5.34.07
